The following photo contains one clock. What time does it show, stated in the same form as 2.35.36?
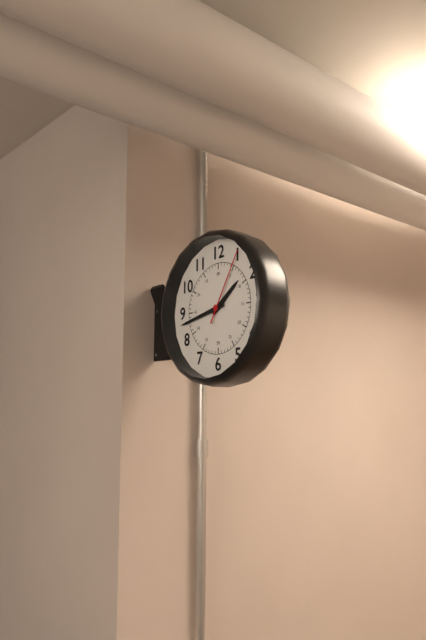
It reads 1.43.05
